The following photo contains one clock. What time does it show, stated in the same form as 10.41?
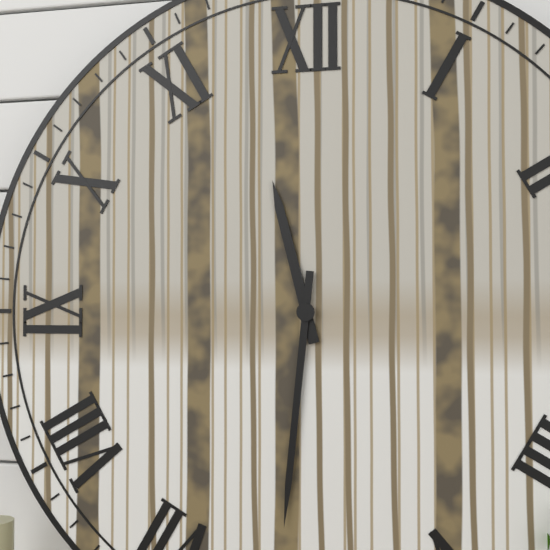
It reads 11.31
